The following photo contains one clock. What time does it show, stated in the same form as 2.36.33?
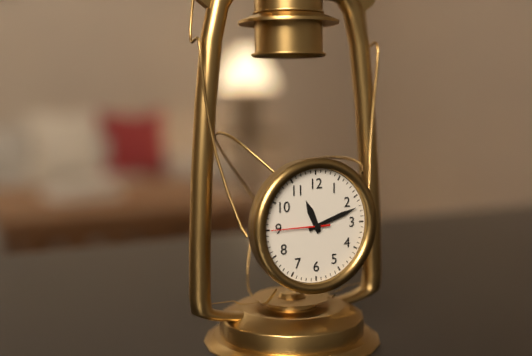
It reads 11.12.45
